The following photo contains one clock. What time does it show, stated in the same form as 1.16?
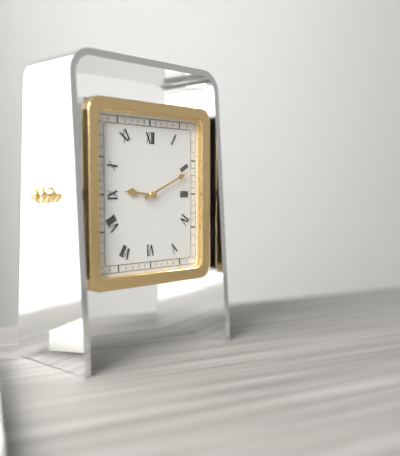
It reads 9.11
